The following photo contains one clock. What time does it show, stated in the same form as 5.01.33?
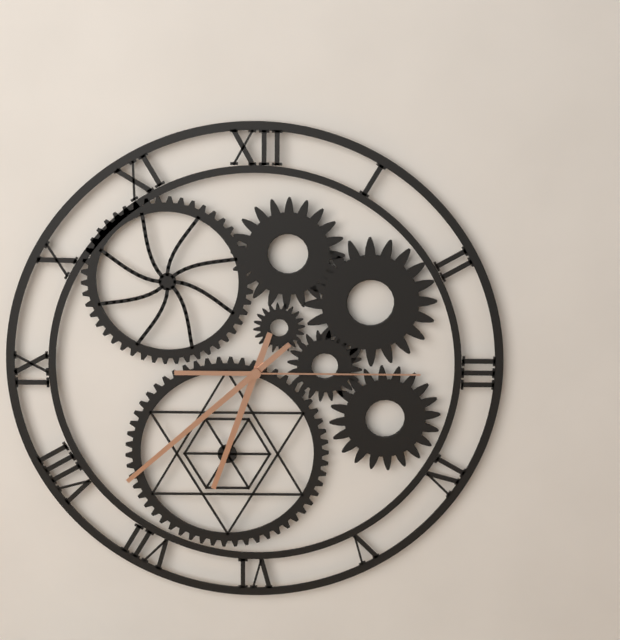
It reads 6.38.15
